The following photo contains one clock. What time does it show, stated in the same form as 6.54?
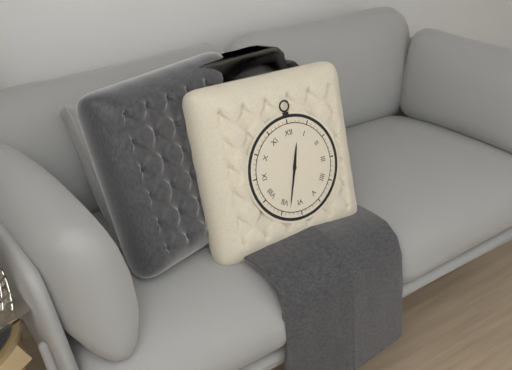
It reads 12.33
